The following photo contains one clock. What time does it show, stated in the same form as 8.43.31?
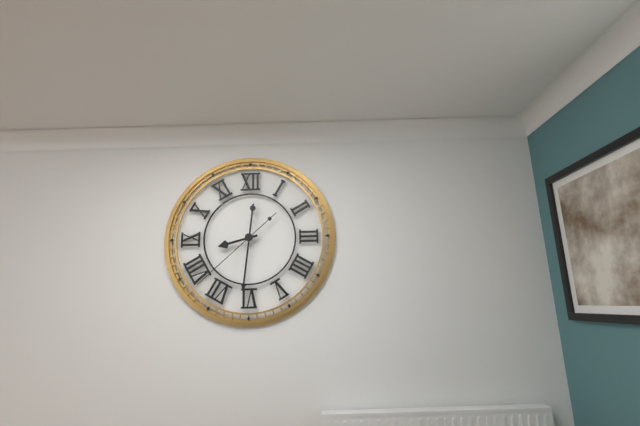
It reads 8.31.38
